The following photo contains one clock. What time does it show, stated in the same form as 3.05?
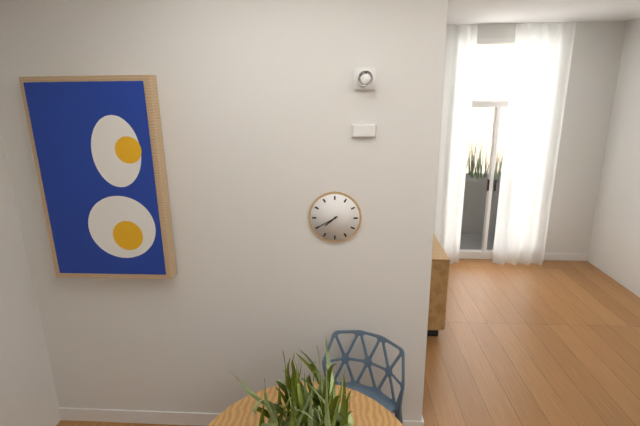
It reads 7.40
